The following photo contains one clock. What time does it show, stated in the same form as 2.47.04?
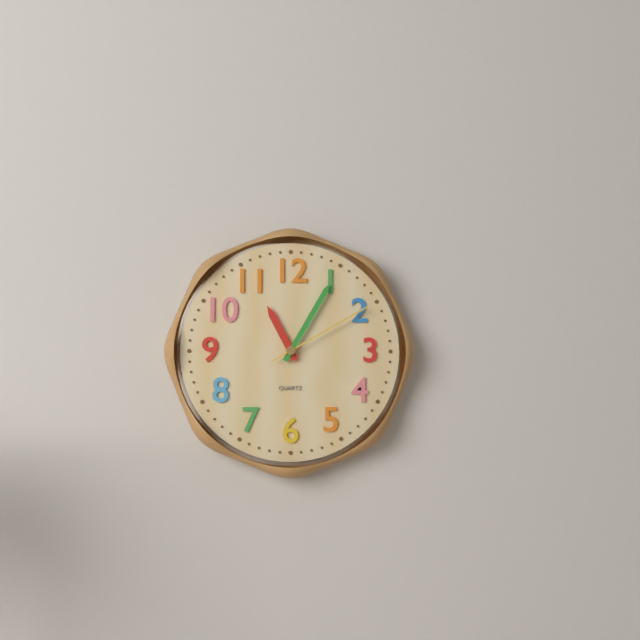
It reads 11.05.10
